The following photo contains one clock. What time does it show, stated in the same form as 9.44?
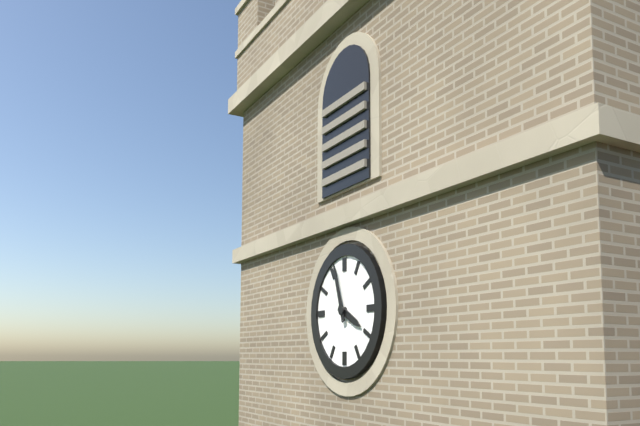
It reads 3.57
